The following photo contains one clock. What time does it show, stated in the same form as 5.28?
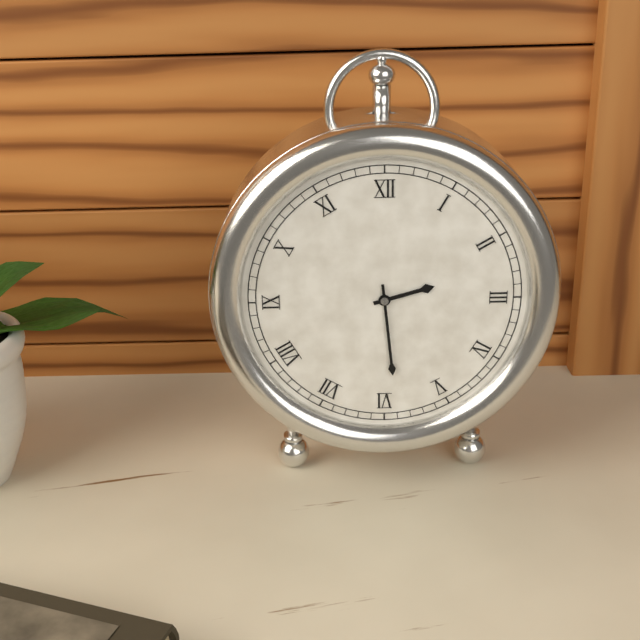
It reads 2.29
